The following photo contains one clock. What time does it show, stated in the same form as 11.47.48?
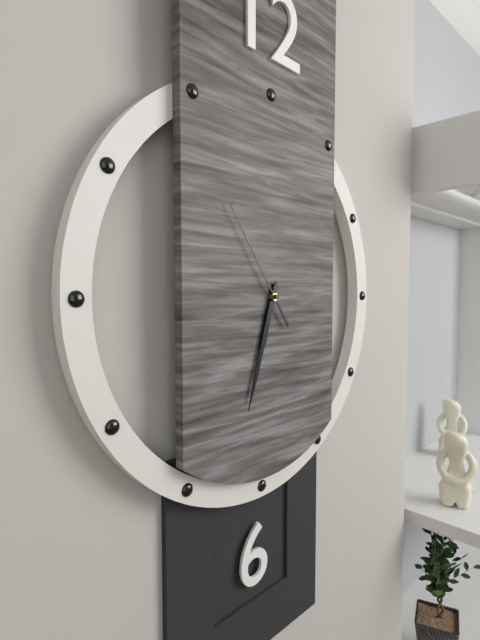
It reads 6.33.54
